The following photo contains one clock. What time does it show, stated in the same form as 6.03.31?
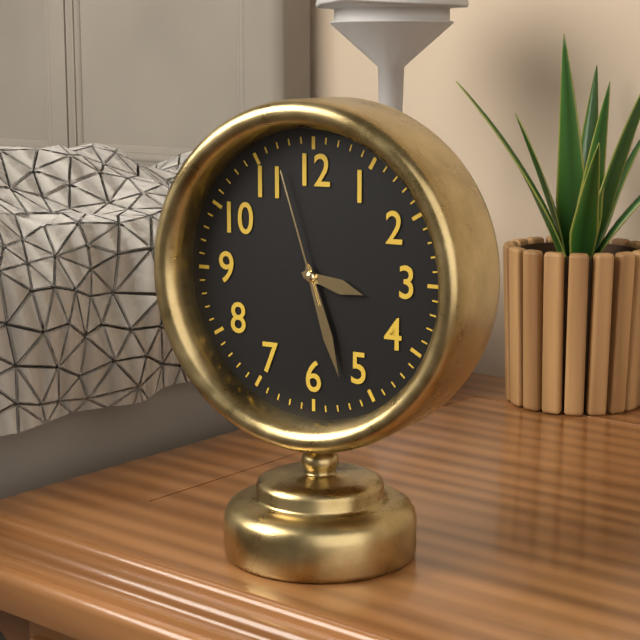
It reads 3.27.57
